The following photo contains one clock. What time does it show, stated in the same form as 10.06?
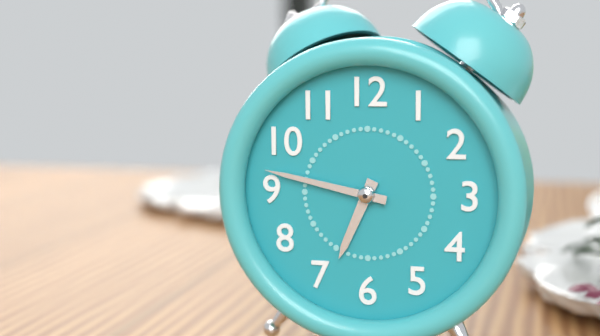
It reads 6.47
